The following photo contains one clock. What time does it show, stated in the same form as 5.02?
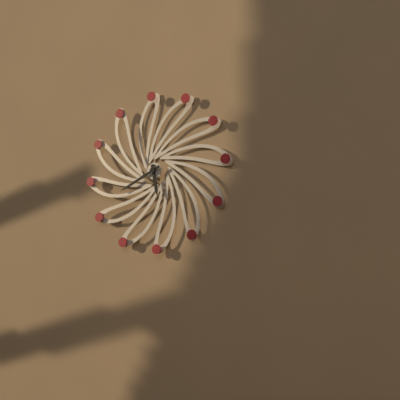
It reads 5.41
